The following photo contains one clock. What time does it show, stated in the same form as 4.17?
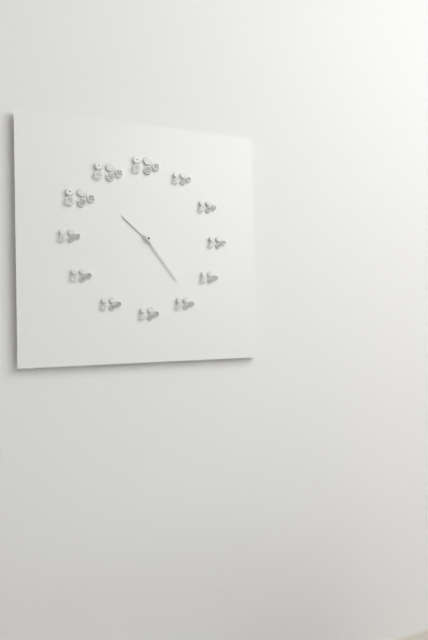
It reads 10.24
